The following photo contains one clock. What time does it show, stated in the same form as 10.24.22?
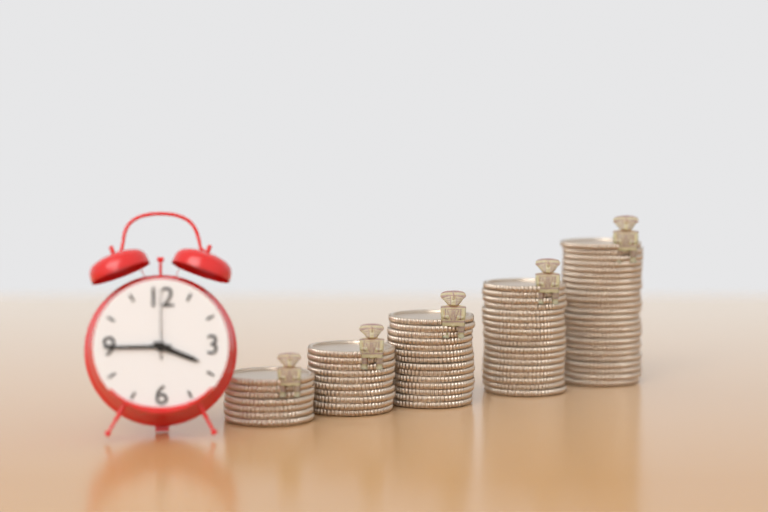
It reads 3.45.00
